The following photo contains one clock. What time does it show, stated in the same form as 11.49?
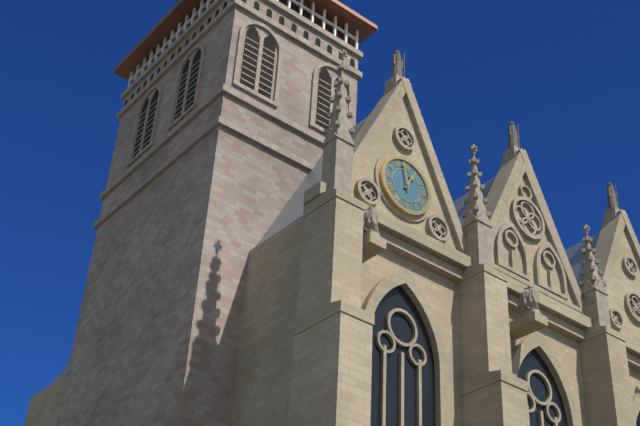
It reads 12.58
